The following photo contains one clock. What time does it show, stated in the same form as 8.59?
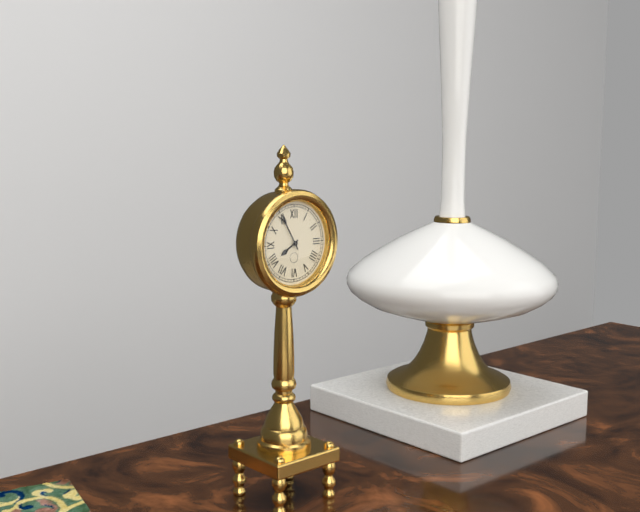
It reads 7.55
